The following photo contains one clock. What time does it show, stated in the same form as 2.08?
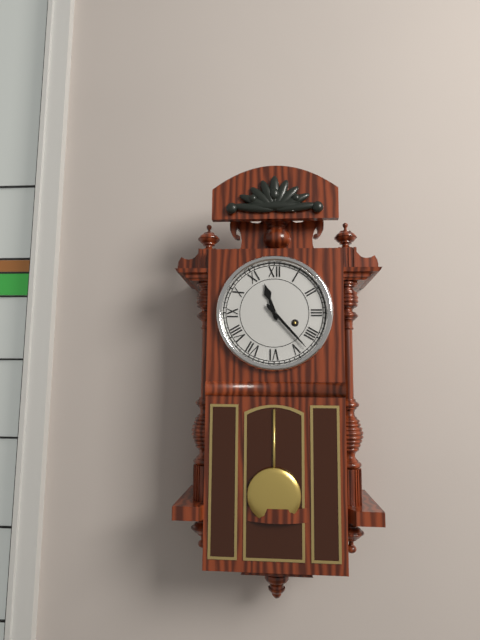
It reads 11.23
